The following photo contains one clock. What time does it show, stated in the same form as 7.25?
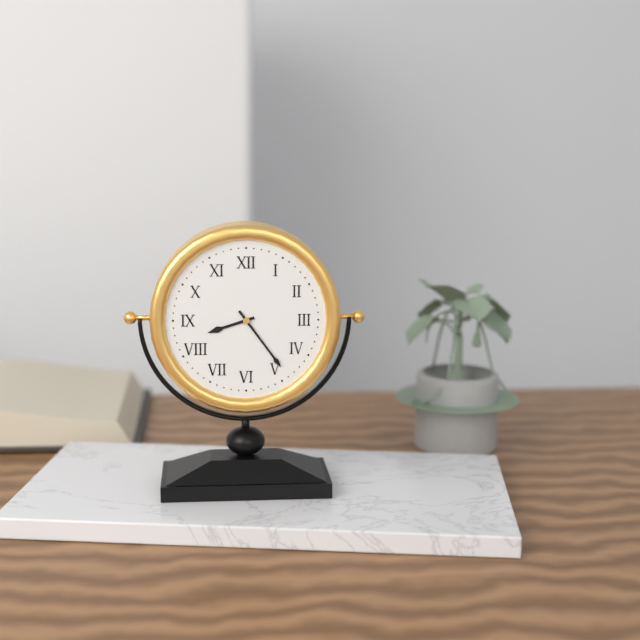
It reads 8.24
